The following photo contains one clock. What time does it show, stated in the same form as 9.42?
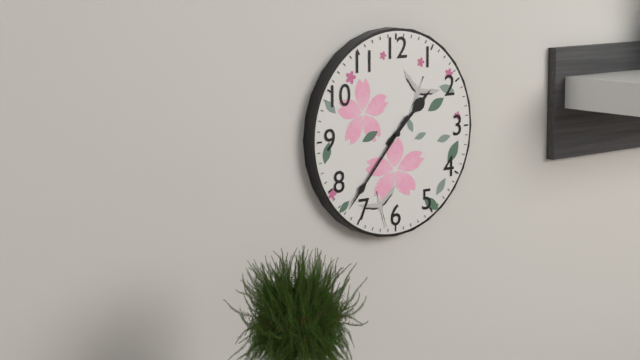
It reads 1.37
